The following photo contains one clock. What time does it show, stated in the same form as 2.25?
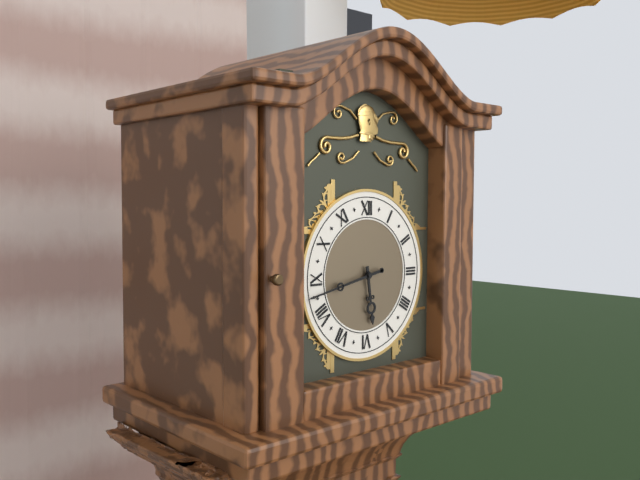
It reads 5.43
